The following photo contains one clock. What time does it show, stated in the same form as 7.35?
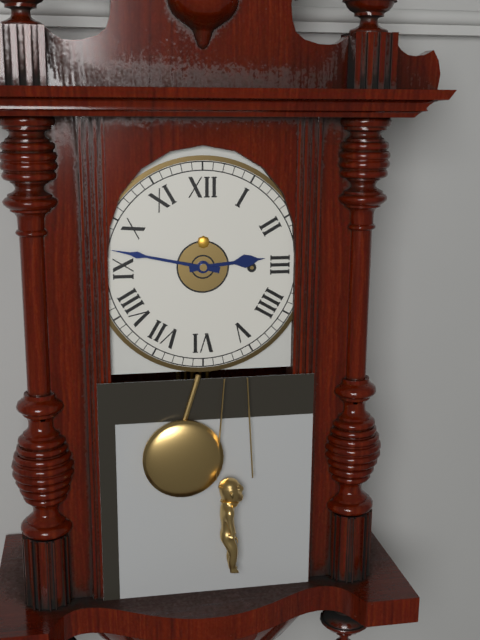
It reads 2.47
